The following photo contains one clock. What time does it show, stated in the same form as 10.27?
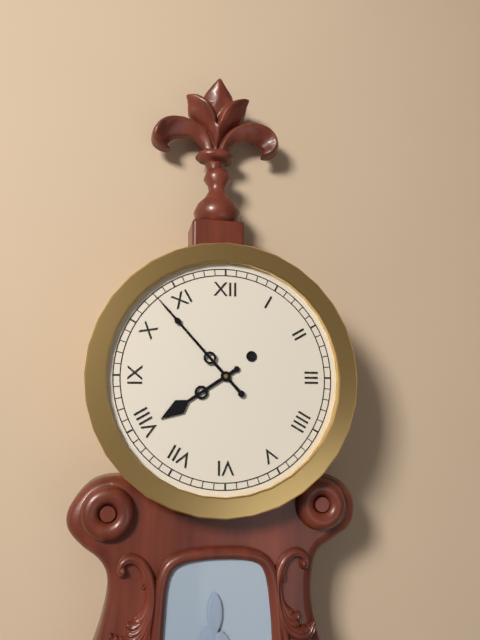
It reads 7.53
